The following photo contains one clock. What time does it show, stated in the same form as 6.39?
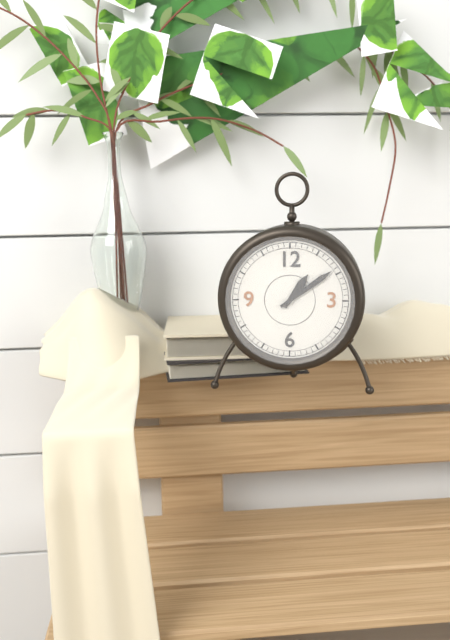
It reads 1.09
